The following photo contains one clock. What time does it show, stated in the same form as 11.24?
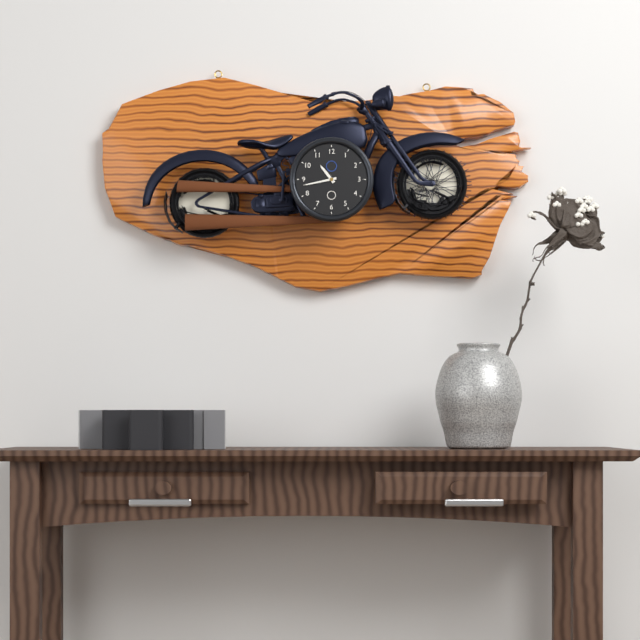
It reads 10.43
